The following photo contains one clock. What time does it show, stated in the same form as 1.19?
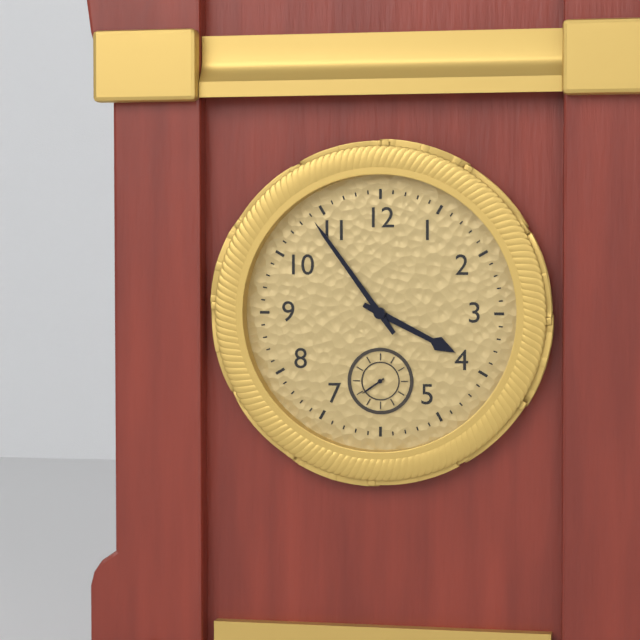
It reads 3.54
